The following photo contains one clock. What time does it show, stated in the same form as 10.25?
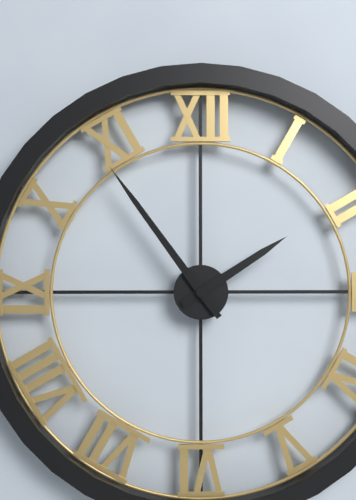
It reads 1.54
